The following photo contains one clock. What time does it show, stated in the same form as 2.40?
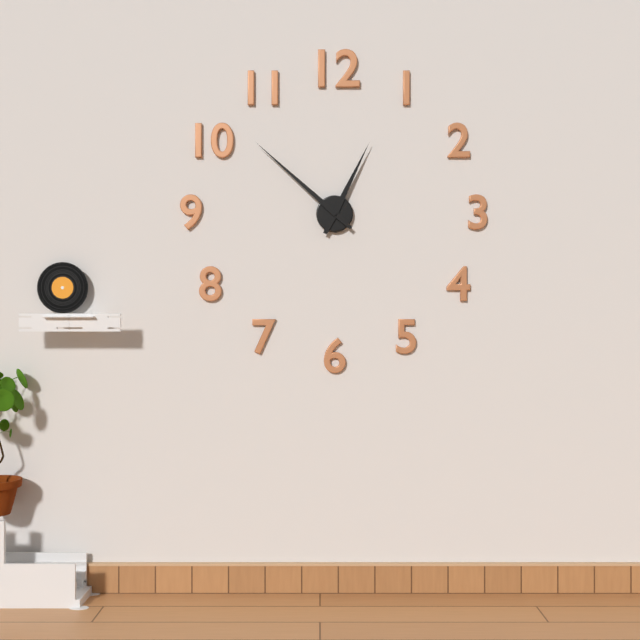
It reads 12.52
